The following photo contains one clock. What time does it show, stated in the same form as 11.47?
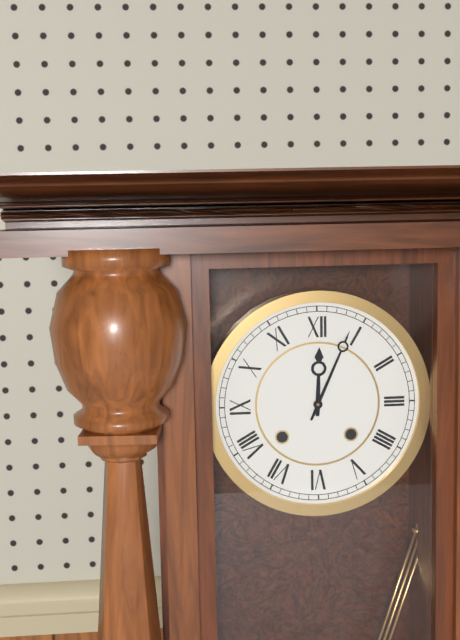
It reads 12.04
